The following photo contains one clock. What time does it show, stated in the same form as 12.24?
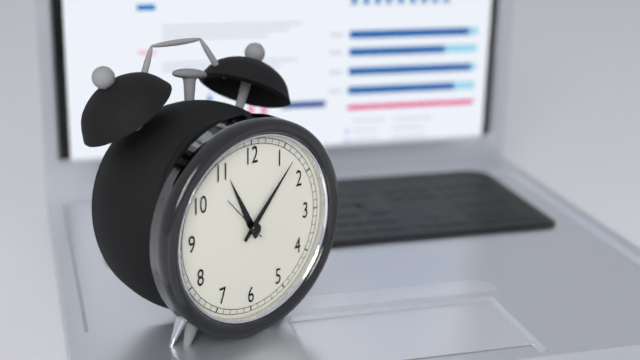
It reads 11.07
